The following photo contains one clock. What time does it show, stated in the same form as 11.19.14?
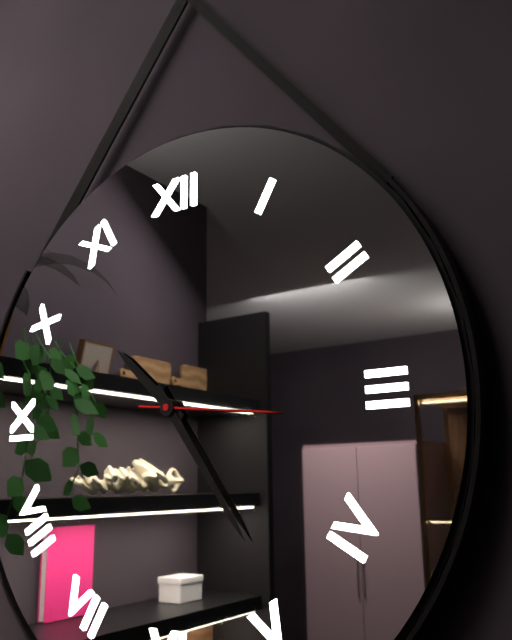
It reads 10.24.16
